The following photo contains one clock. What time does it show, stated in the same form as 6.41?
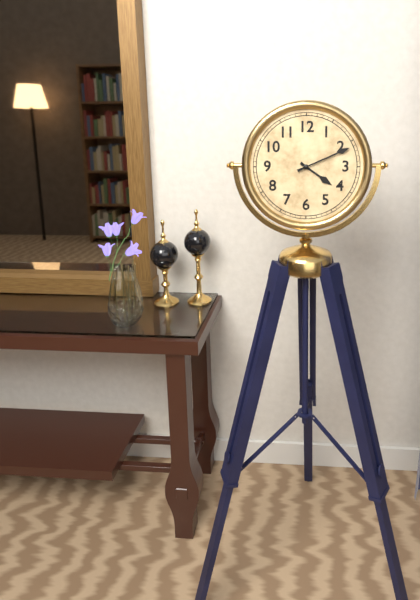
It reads 4.11
